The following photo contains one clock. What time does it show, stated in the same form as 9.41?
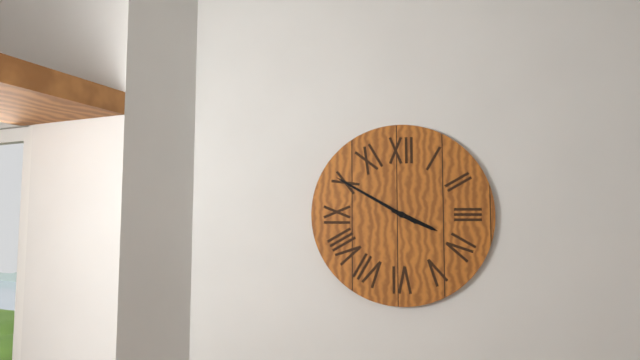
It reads 3.50
